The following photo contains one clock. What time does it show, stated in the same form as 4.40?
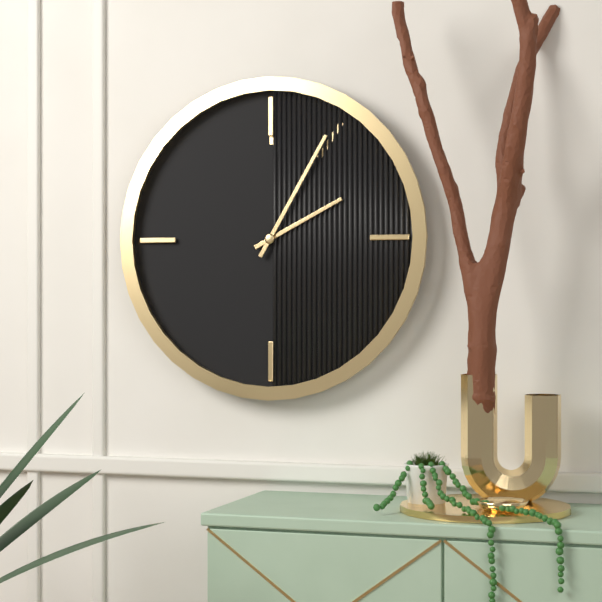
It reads 2.05
